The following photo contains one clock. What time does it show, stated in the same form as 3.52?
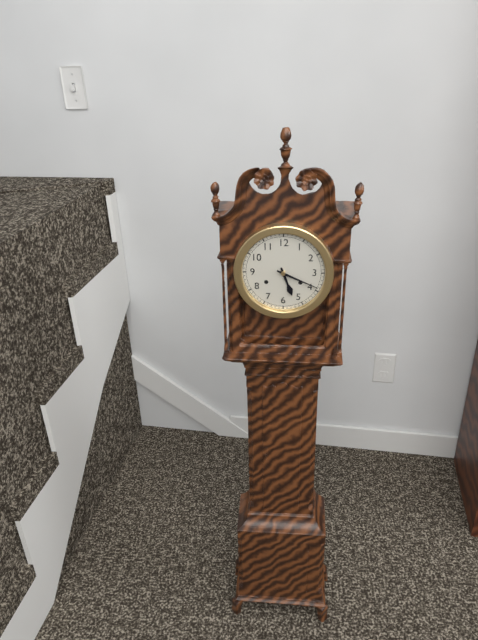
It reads 5.19
